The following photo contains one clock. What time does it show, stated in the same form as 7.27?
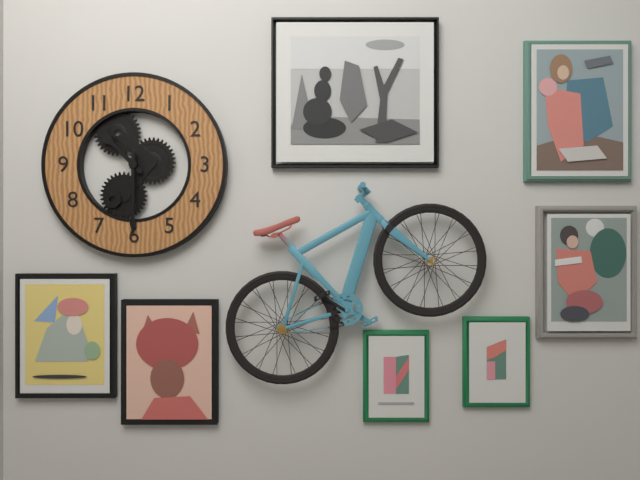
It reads 10.30
